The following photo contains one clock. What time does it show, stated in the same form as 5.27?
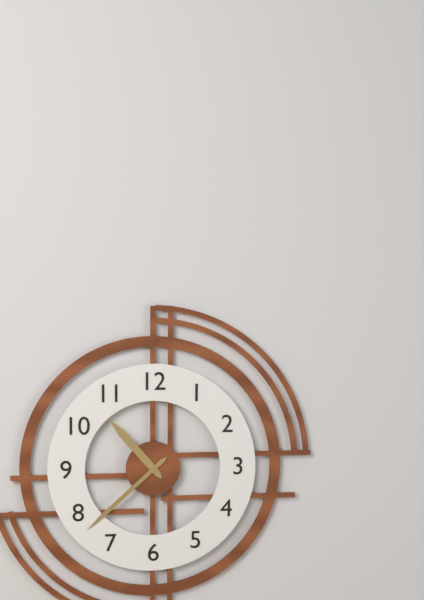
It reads 10.38
